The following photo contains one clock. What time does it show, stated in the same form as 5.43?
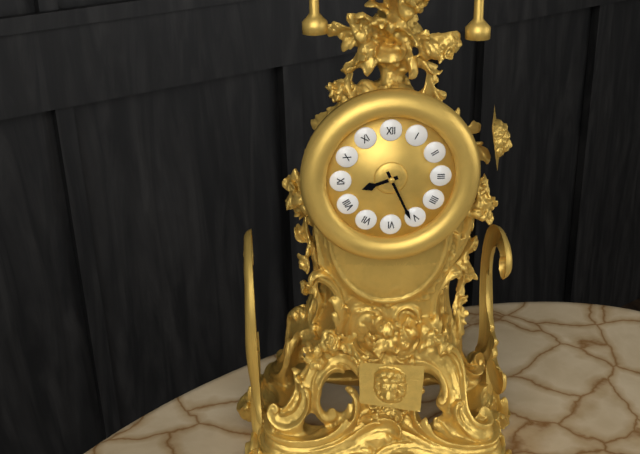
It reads 8.26
